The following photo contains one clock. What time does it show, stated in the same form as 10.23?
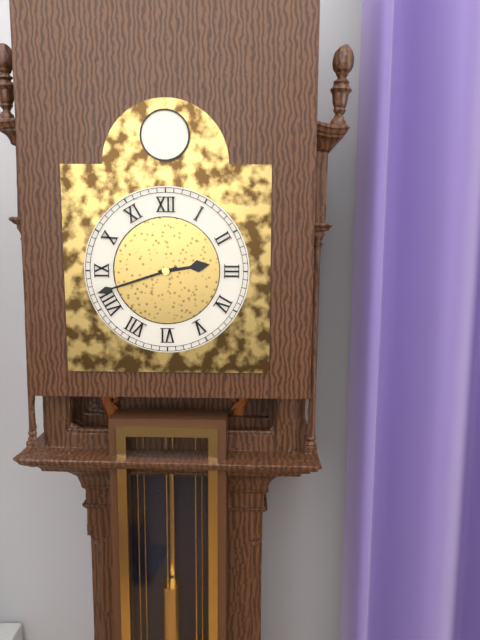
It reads 2.42
